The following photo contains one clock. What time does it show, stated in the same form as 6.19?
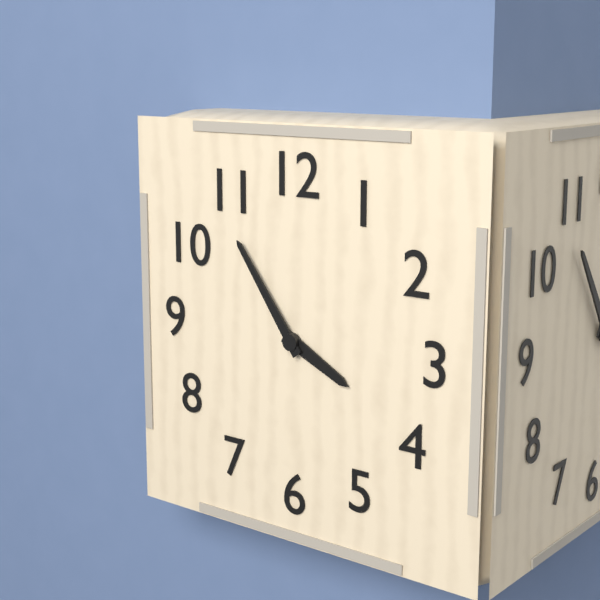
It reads 3.54
